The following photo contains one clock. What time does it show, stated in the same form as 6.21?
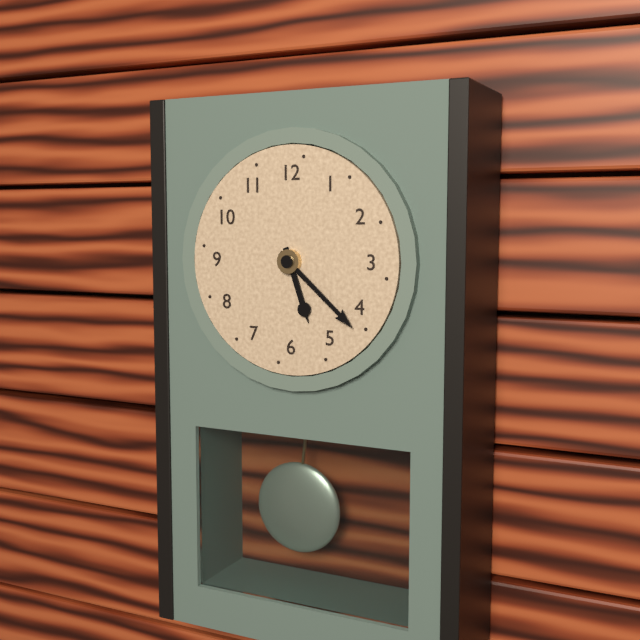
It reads 5.22
